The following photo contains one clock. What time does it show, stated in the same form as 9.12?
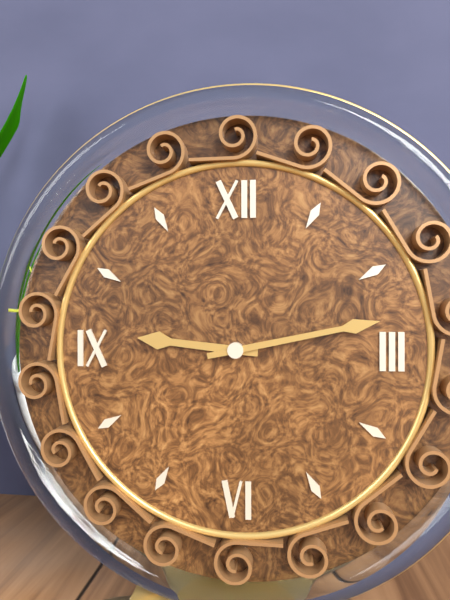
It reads 9.13
